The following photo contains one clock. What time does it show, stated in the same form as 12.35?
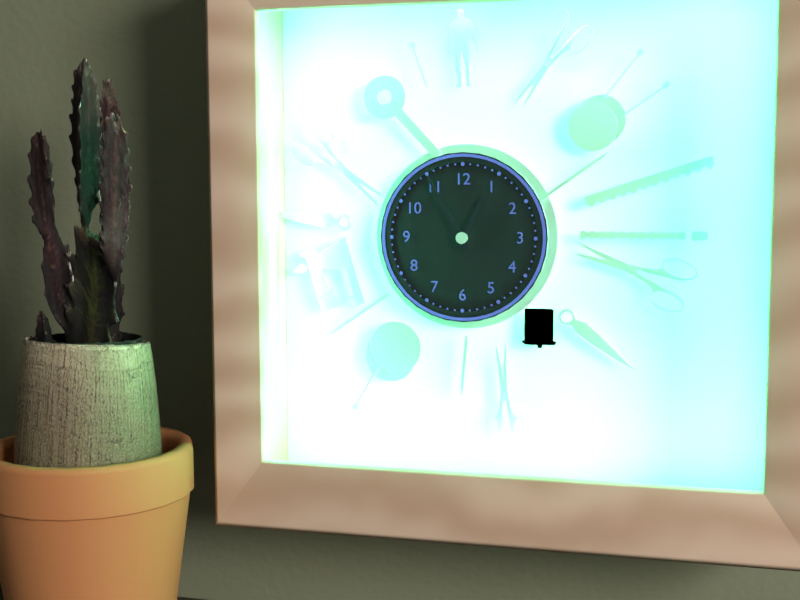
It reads 12.55
